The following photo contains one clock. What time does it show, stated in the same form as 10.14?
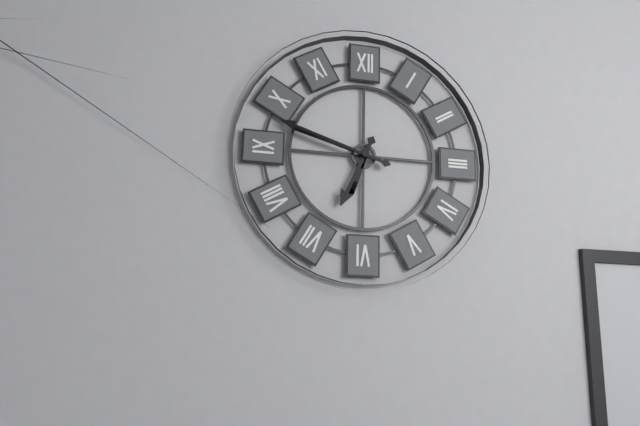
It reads 6.48
